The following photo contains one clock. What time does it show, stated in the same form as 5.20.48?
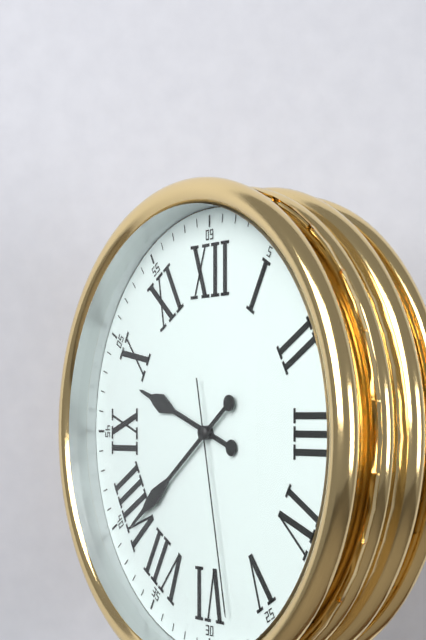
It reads 9.39.28
